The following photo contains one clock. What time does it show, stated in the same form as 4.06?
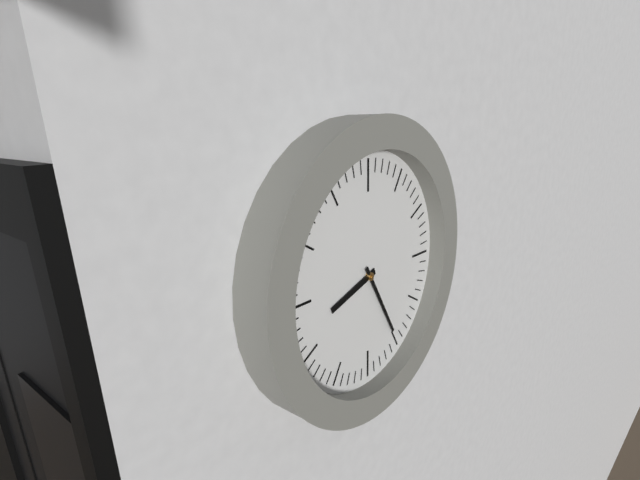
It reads 8.25
